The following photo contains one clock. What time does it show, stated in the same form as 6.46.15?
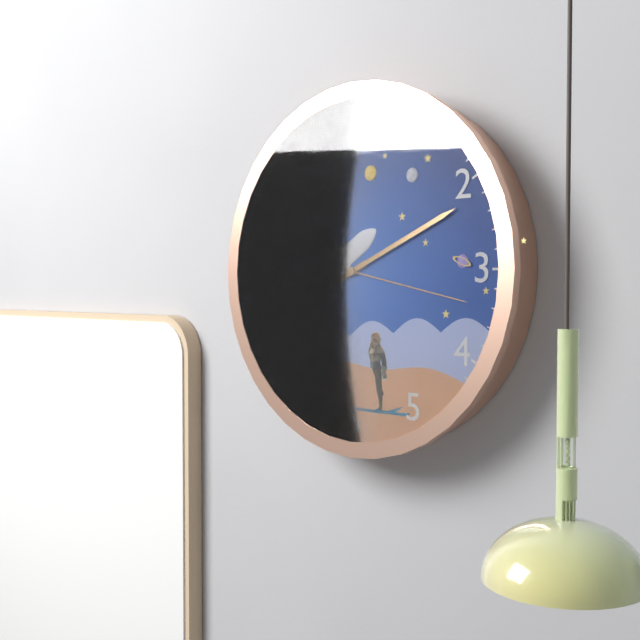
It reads 8.11.17
